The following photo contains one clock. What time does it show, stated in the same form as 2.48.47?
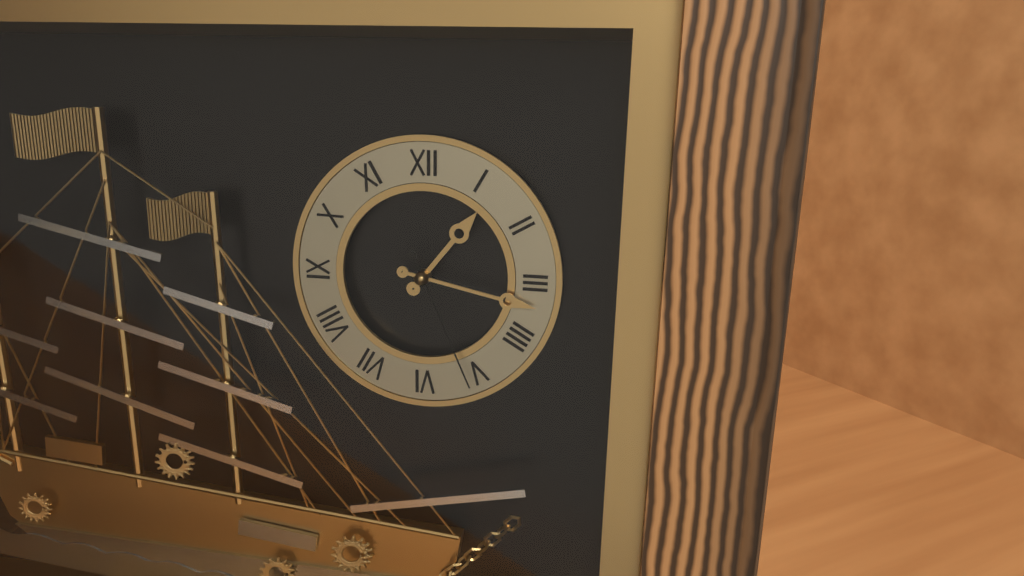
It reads 1.17.26
